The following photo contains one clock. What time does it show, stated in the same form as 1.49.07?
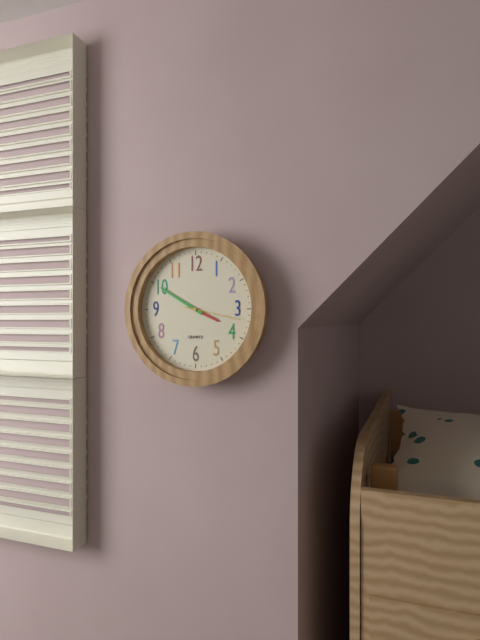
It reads 3.50.17
